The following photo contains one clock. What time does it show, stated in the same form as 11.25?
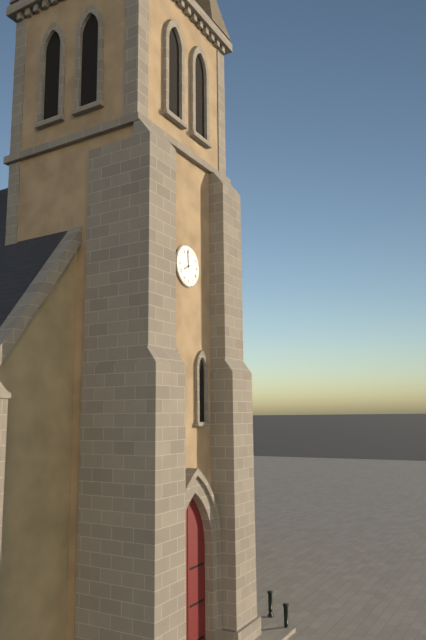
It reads 7.59
